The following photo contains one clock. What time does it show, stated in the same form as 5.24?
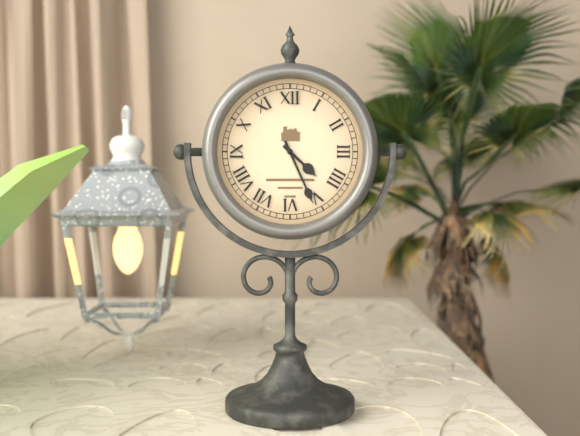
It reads 4.26
